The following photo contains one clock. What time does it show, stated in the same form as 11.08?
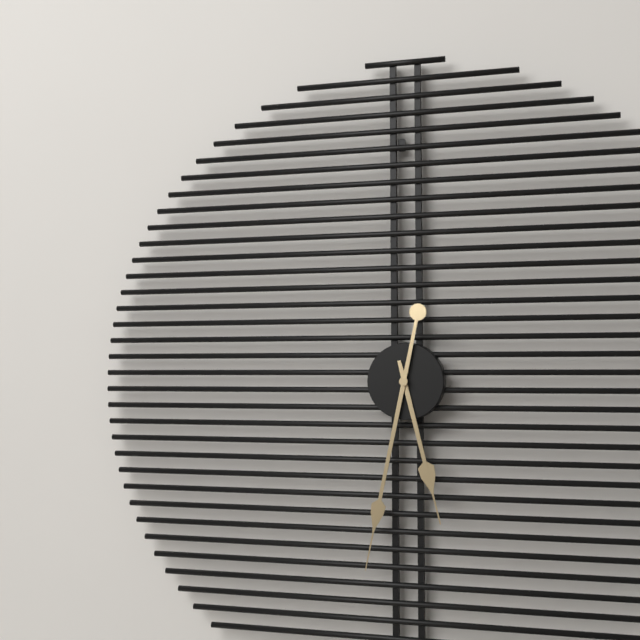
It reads 5.32
